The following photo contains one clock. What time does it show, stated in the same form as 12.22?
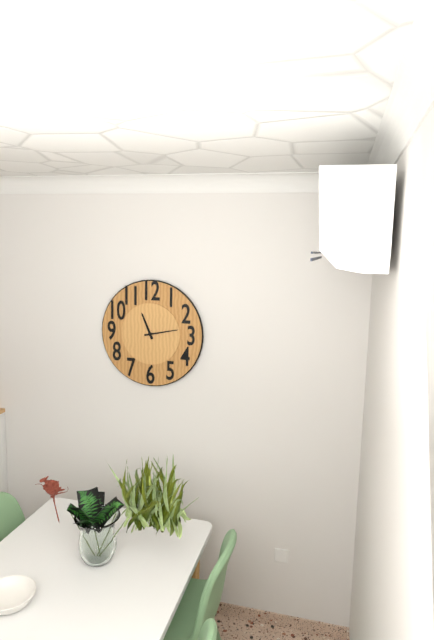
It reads 11.13
